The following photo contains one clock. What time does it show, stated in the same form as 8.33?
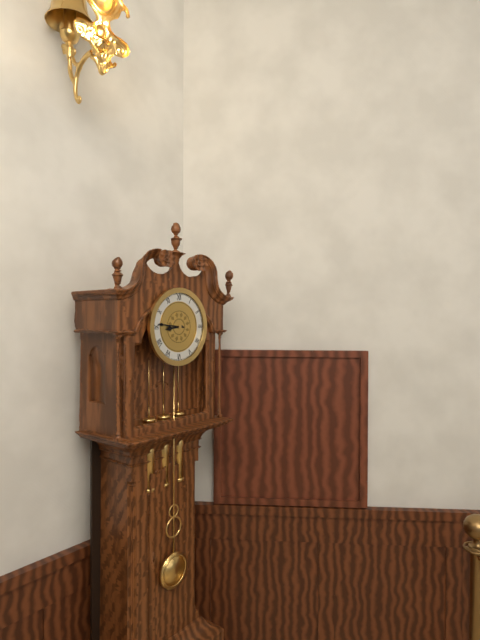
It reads 8.46
